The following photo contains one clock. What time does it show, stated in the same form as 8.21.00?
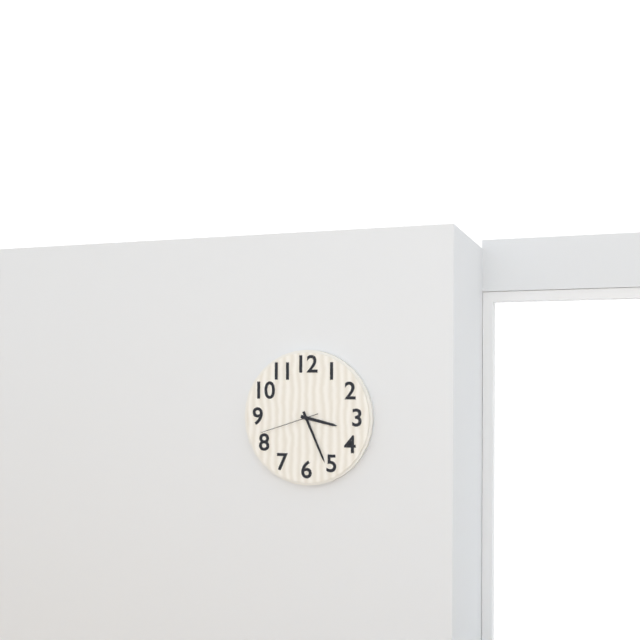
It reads 3.26.42
